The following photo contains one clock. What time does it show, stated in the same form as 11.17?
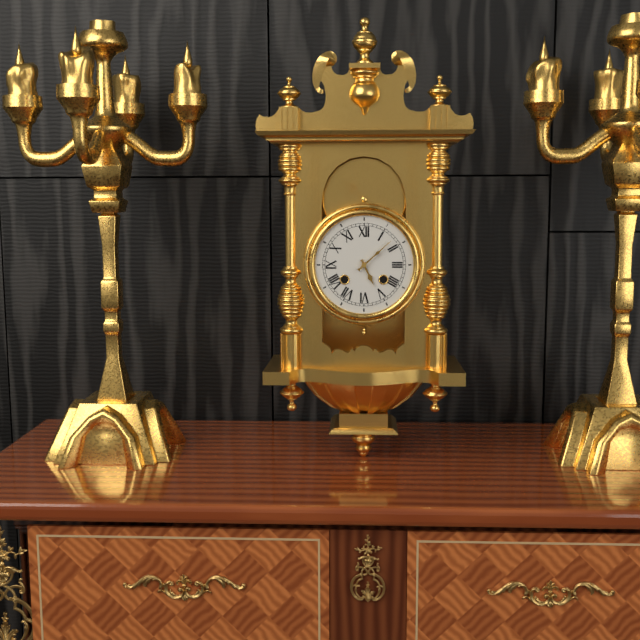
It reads 5.08
